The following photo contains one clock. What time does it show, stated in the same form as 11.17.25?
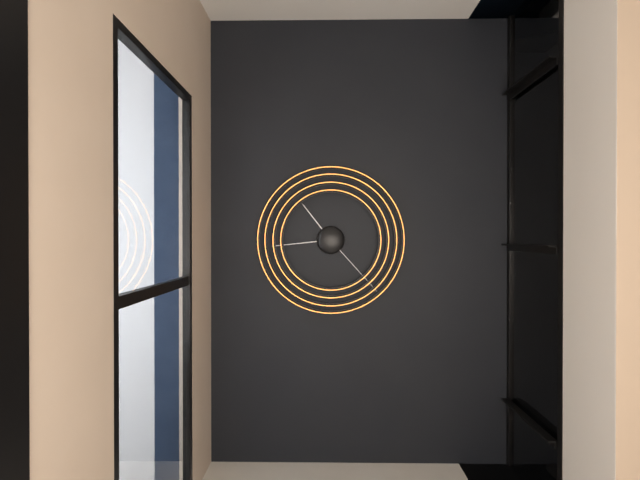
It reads 10.44.23
